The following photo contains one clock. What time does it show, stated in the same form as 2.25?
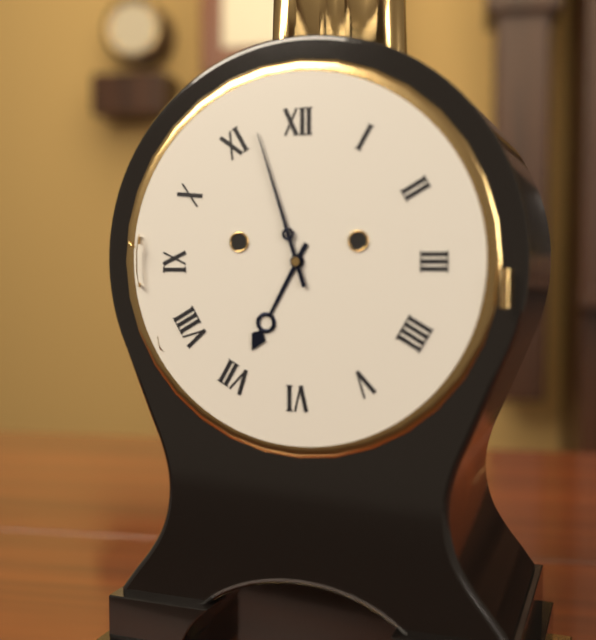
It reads 6.57
